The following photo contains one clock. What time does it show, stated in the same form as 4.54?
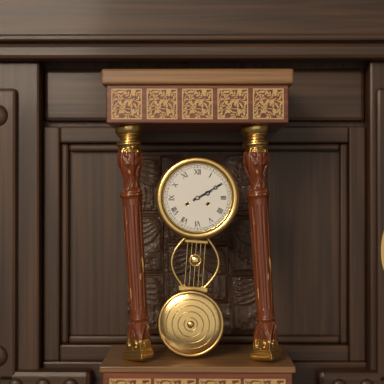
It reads 2.10
